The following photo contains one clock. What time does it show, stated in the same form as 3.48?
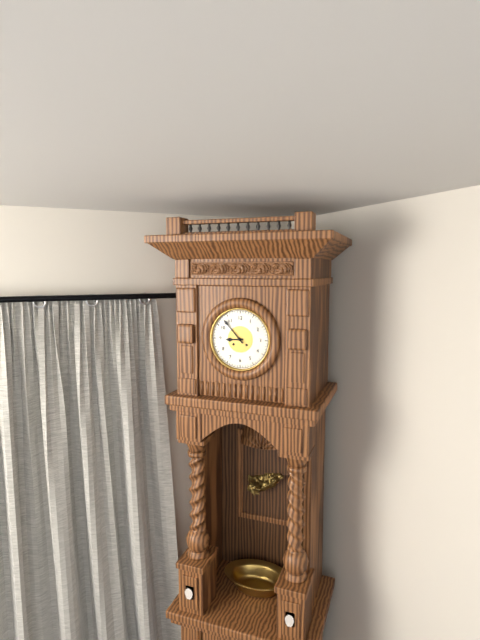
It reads 8.53
